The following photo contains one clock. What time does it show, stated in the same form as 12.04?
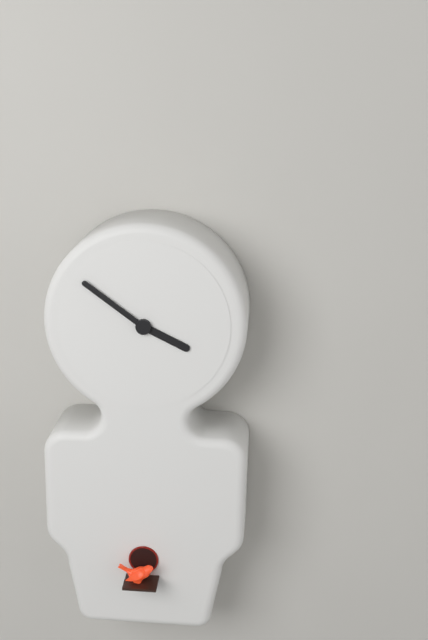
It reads 3.51
